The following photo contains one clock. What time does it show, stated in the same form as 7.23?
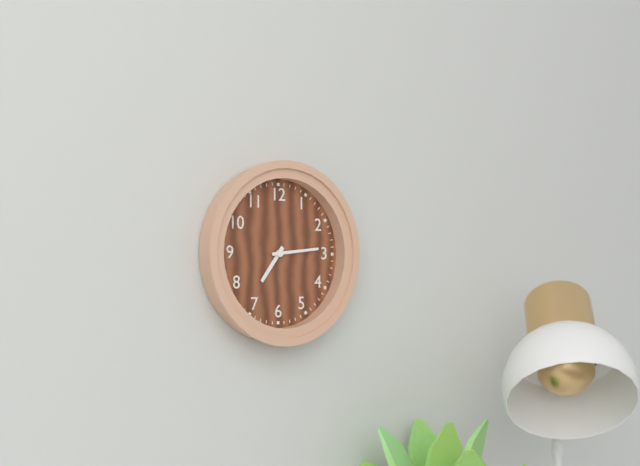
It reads 7.14
